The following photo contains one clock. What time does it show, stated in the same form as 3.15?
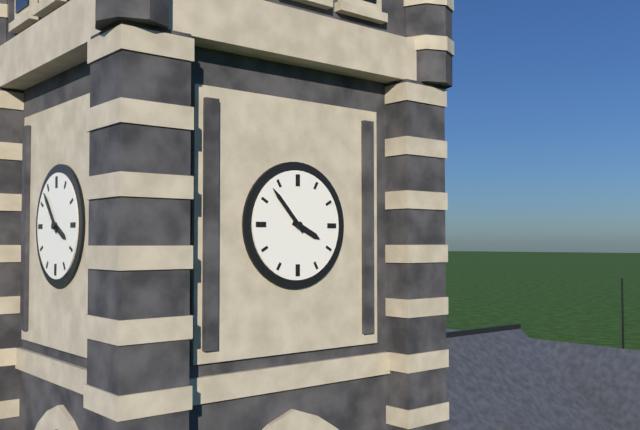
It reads 3.53
